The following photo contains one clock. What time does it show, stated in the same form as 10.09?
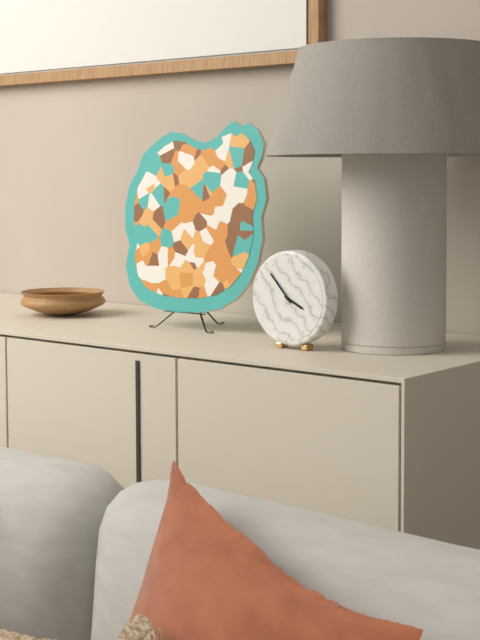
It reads 3.53
